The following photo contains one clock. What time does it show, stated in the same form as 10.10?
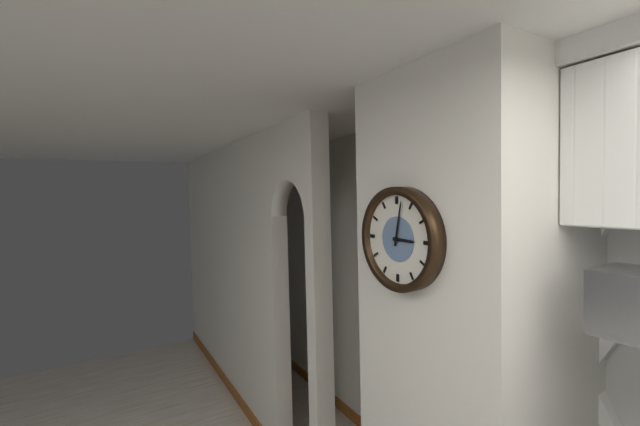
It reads 3.02
